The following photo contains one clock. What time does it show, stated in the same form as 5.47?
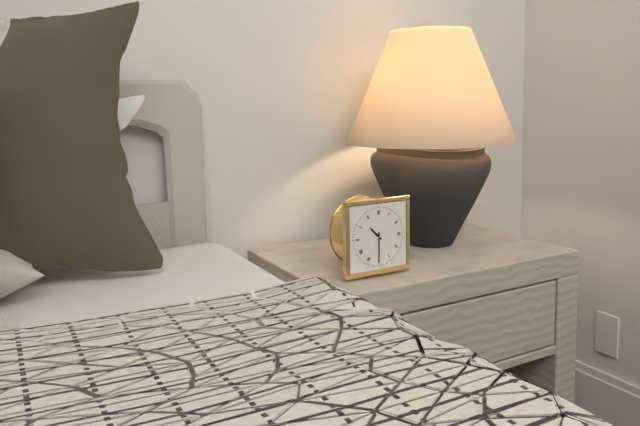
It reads 10.30
